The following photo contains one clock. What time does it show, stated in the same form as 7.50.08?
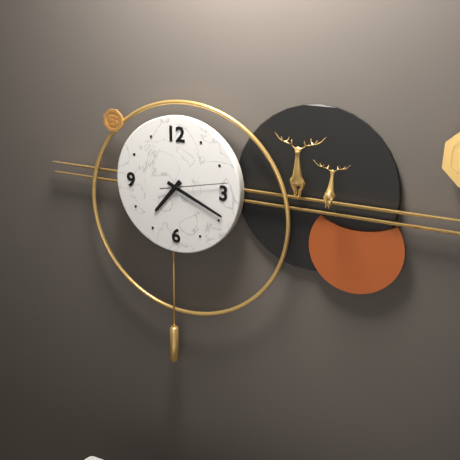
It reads 7.19.13
